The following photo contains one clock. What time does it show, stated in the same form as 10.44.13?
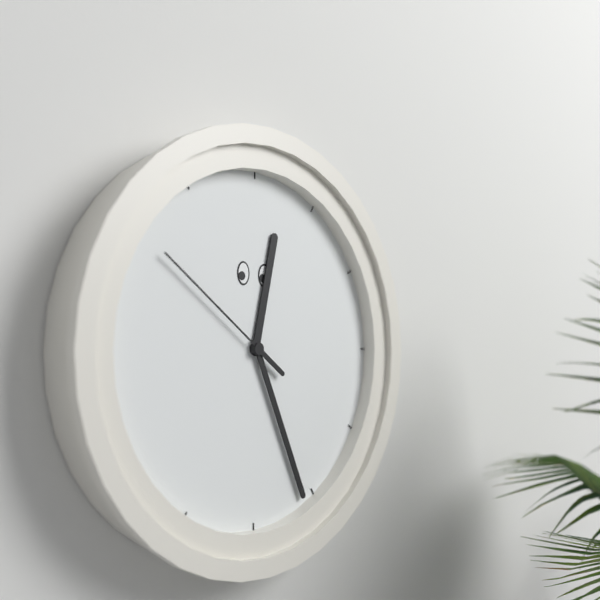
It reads 12.26.51
